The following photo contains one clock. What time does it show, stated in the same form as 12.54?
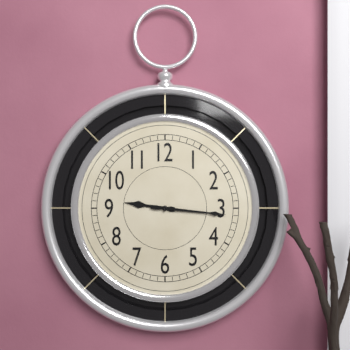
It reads 9.16
